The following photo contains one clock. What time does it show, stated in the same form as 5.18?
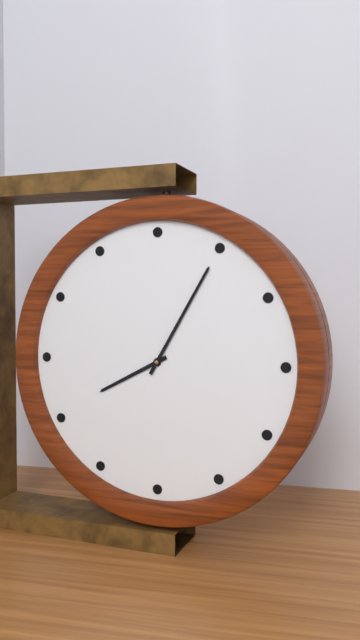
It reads 8.05
